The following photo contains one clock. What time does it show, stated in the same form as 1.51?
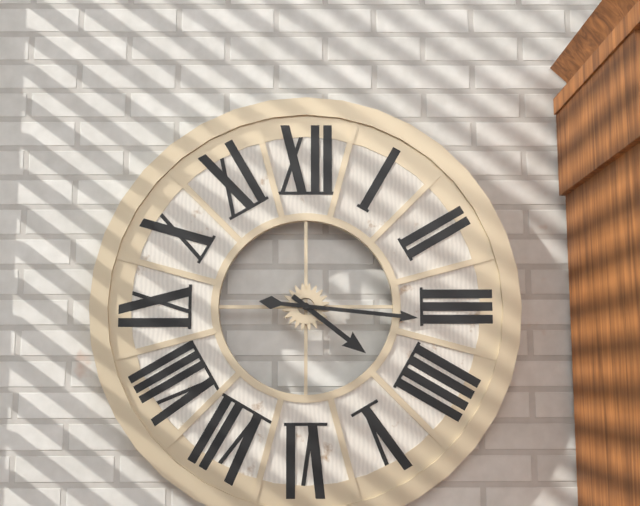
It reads 4.16
